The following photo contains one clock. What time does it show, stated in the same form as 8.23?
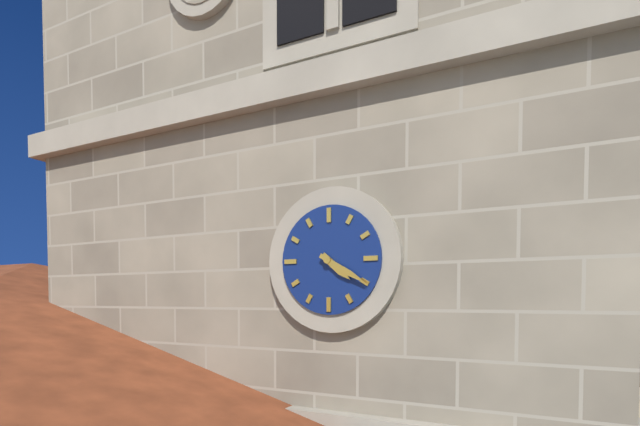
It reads 4.20
